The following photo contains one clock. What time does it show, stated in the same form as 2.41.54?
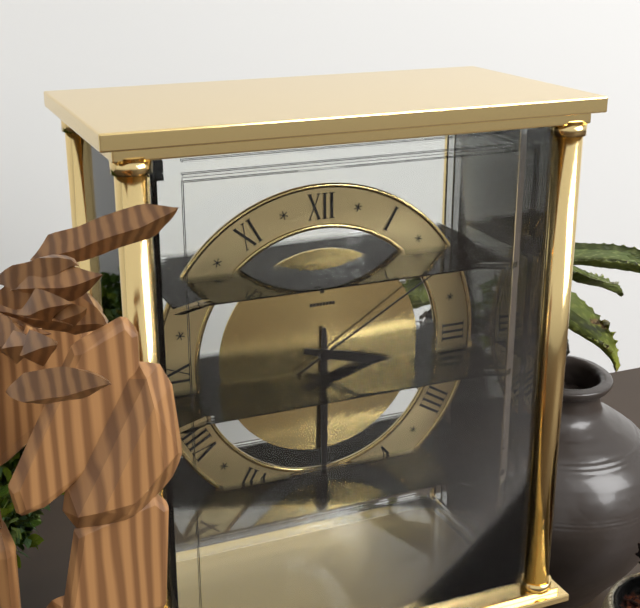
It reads 3.30.10
